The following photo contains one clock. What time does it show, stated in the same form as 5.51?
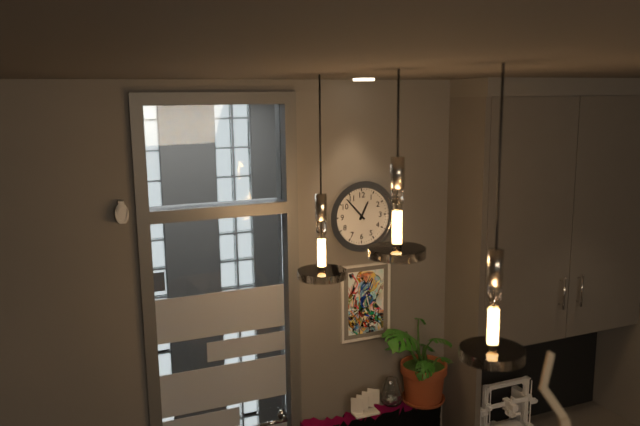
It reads 12.53
